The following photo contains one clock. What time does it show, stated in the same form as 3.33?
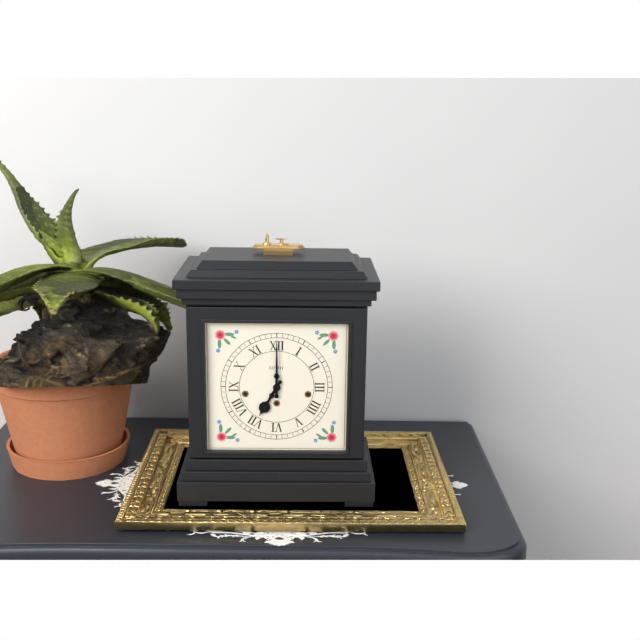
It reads 7.00
